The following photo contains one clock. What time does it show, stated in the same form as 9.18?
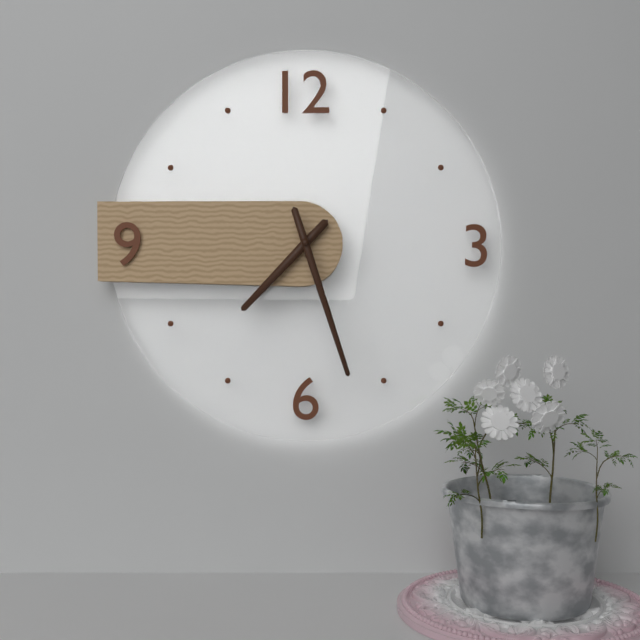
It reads 7.27
